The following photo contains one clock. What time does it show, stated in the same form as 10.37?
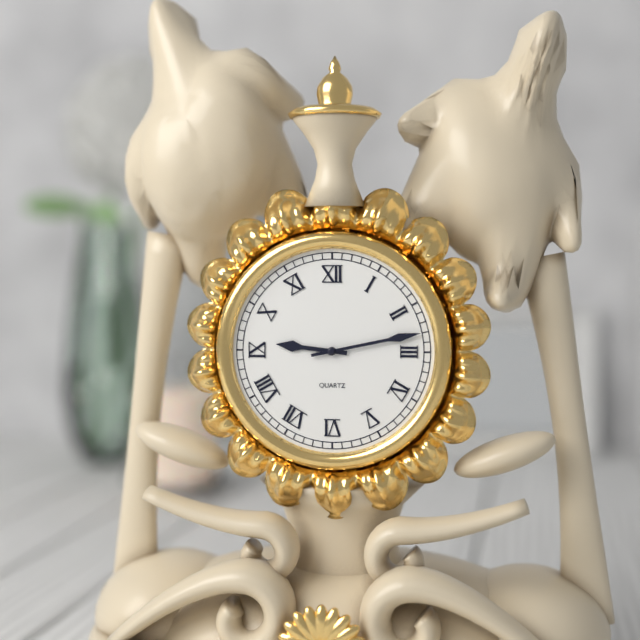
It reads 9.13
